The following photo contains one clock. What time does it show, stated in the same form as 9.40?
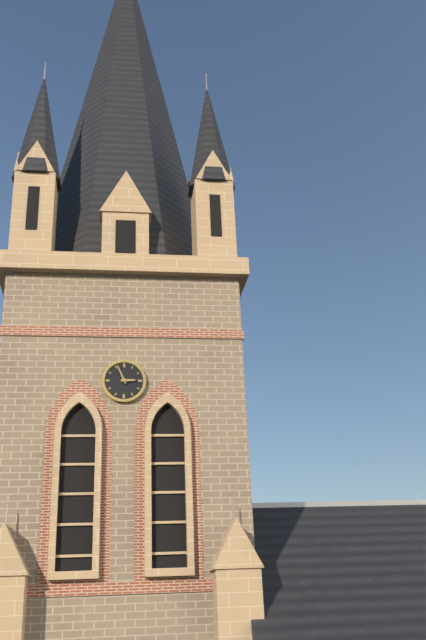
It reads 2.56
